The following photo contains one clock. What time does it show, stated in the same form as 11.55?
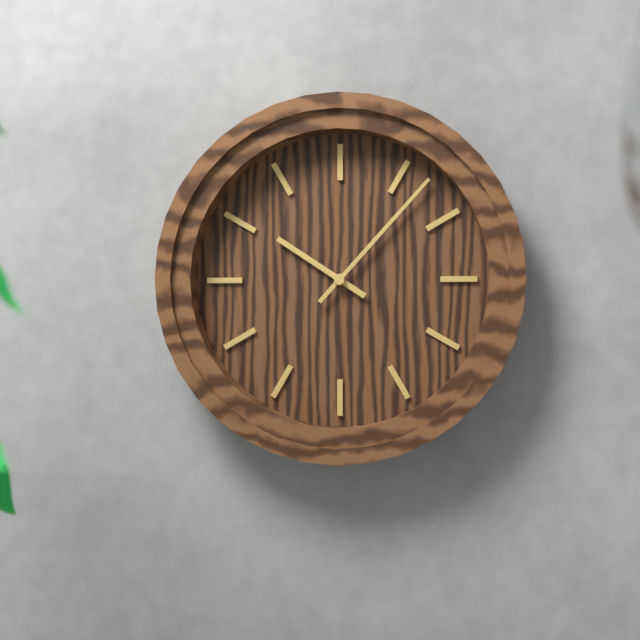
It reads 10.07
